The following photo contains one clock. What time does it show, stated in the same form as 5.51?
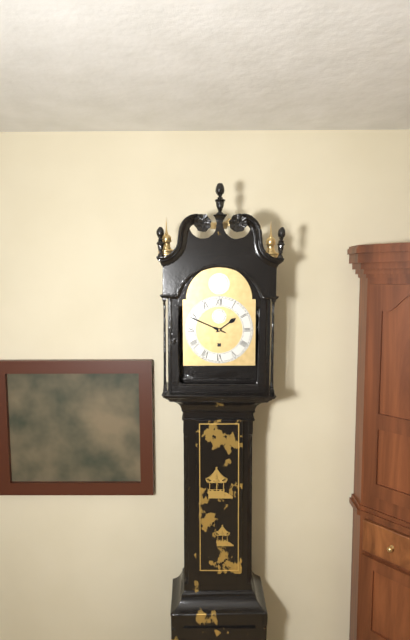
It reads 1.49
